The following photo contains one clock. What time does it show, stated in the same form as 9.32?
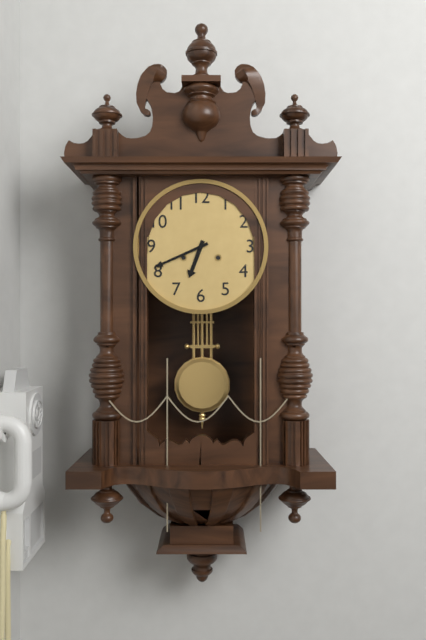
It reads 6.41
